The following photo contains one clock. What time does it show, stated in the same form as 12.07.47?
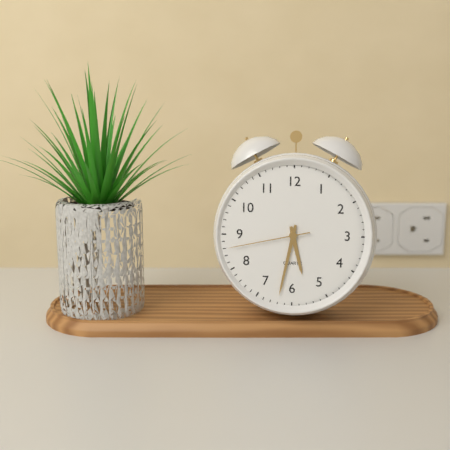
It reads 5.32.43
